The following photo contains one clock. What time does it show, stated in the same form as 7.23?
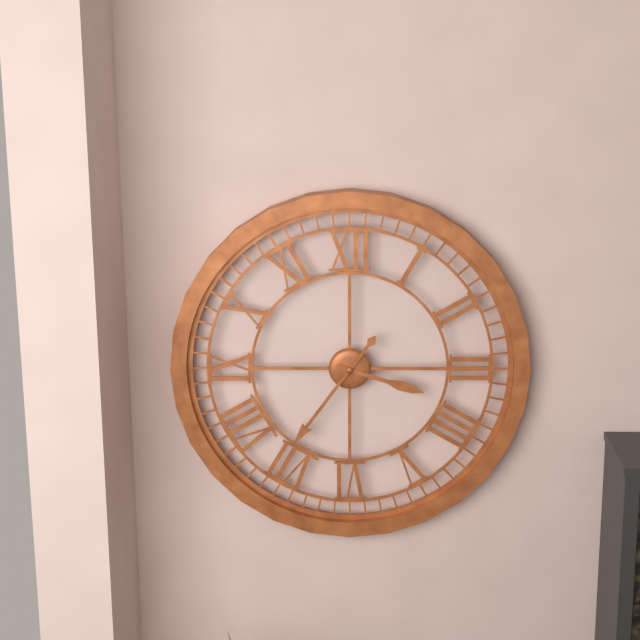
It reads 3.36
